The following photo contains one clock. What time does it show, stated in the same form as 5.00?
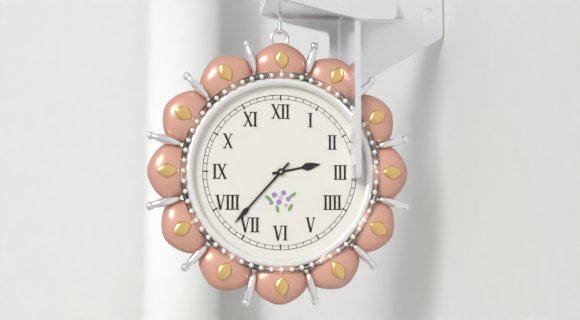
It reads 2.37
